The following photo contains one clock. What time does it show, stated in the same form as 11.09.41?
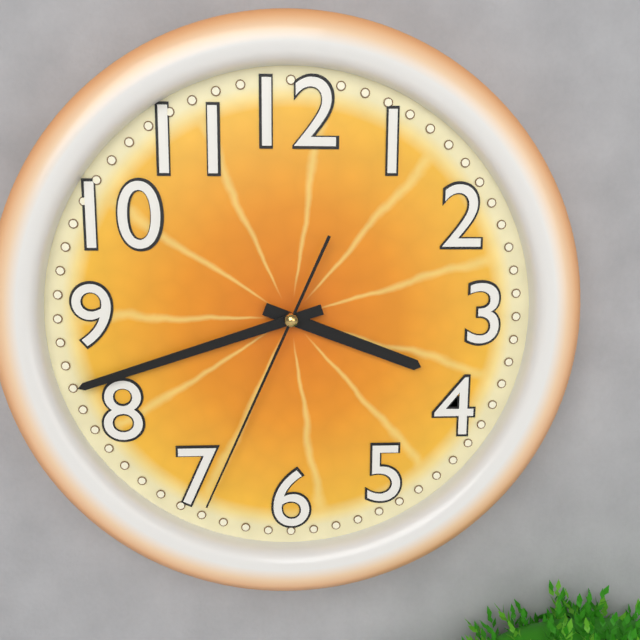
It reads 3.42.34
